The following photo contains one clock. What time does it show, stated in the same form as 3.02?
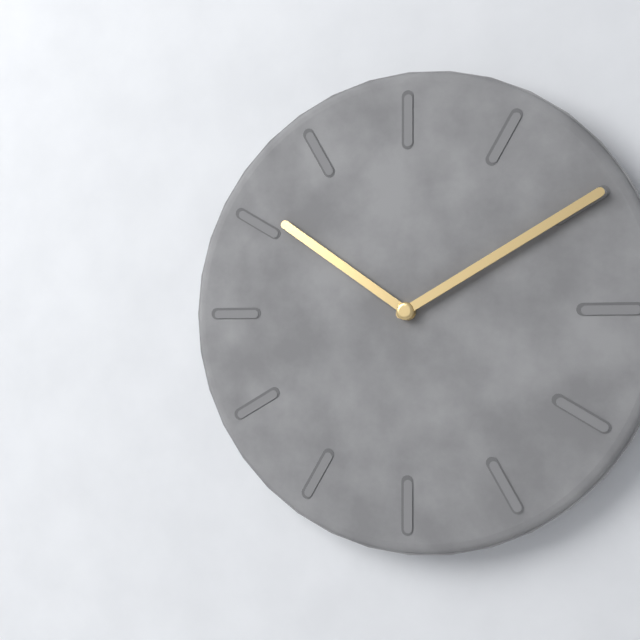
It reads 10.10
